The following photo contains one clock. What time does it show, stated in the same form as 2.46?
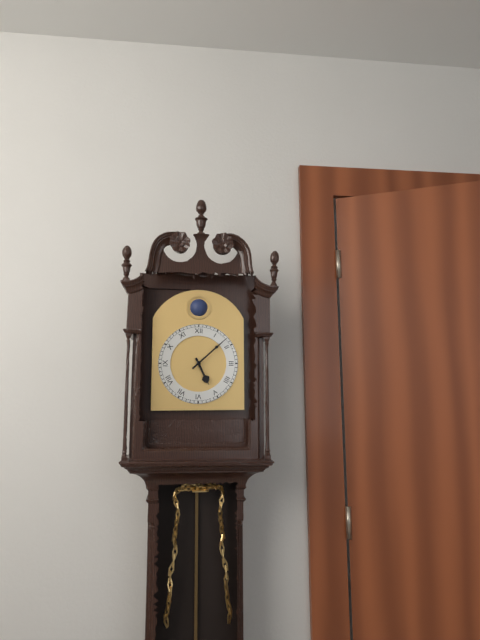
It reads 5.08
